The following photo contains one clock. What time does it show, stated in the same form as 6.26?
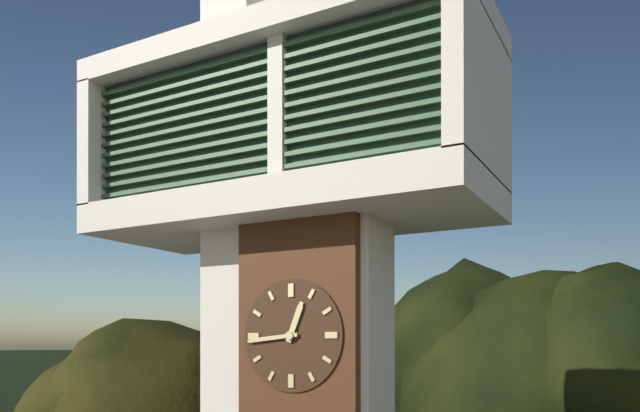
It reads 12.44
